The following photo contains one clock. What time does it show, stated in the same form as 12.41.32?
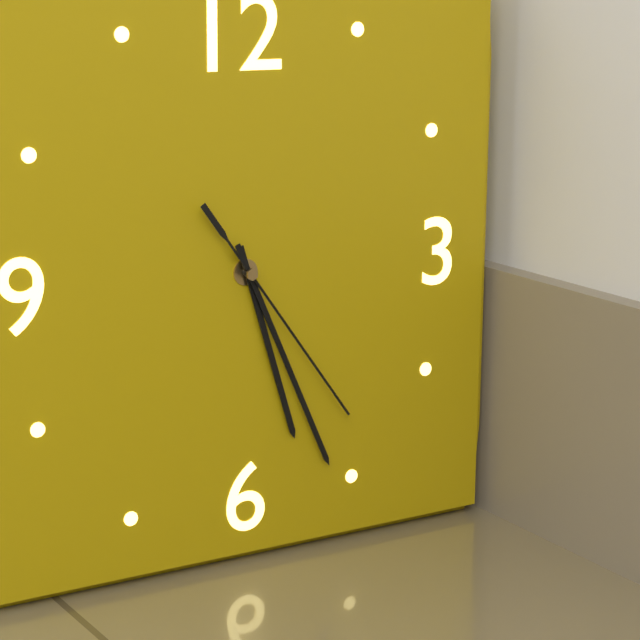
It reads 5.26.24
